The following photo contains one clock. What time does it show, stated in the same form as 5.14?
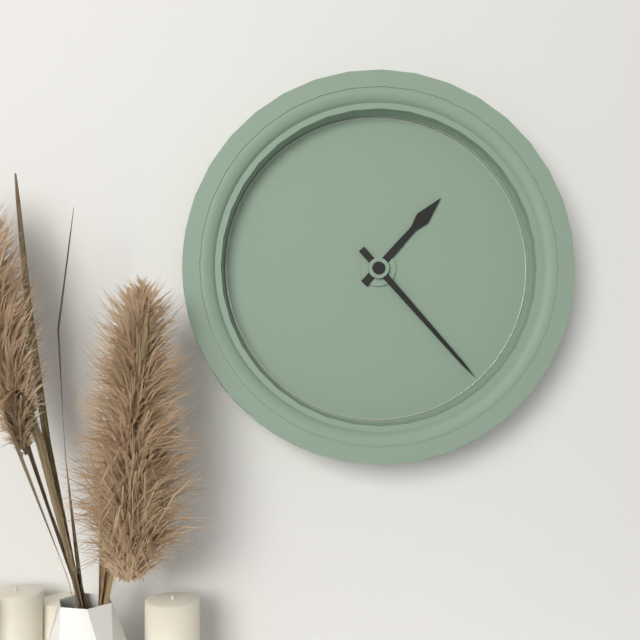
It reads 1.23
